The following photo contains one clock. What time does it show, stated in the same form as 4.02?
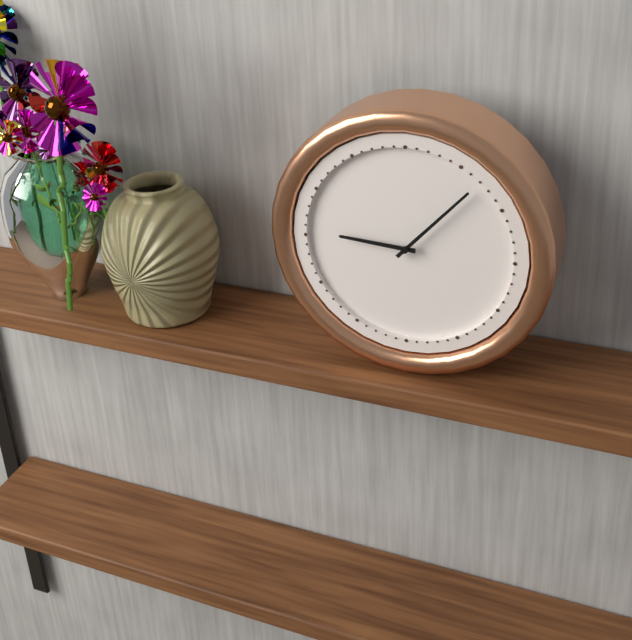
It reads 9.07
